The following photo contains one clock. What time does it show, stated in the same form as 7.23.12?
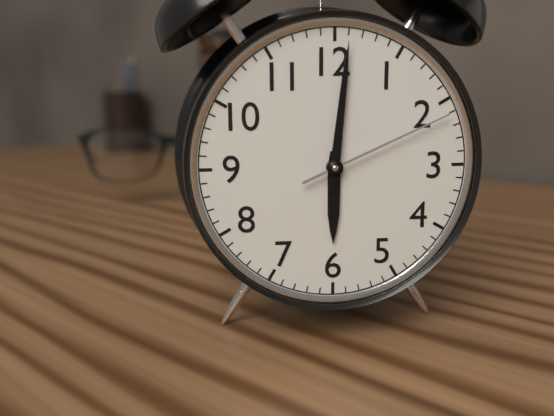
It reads 6.01.11
